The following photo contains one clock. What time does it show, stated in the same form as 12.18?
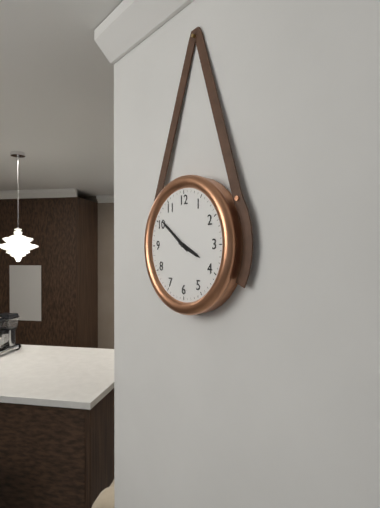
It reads 3.51
